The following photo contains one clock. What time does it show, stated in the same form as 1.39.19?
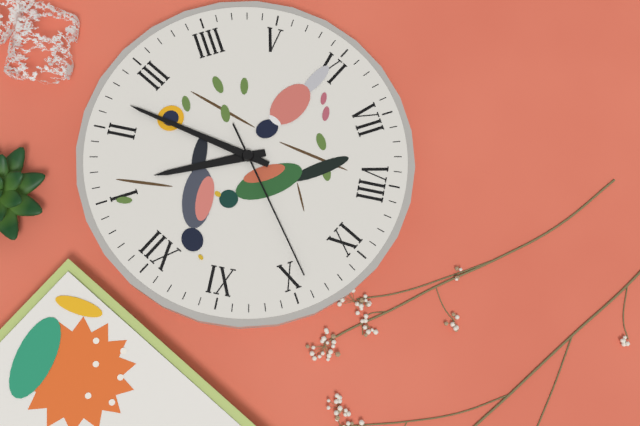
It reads 1.12.49
